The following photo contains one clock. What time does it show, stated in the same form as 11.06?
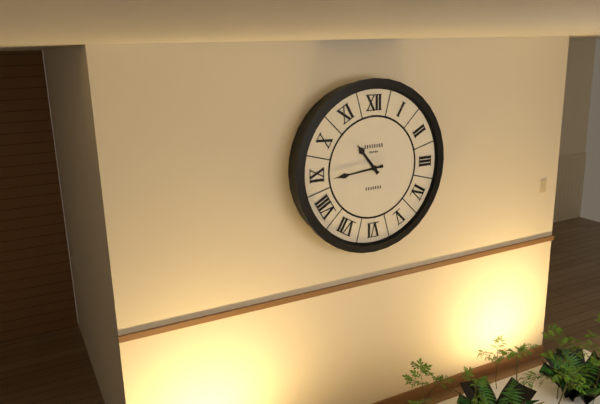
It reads 10.44
